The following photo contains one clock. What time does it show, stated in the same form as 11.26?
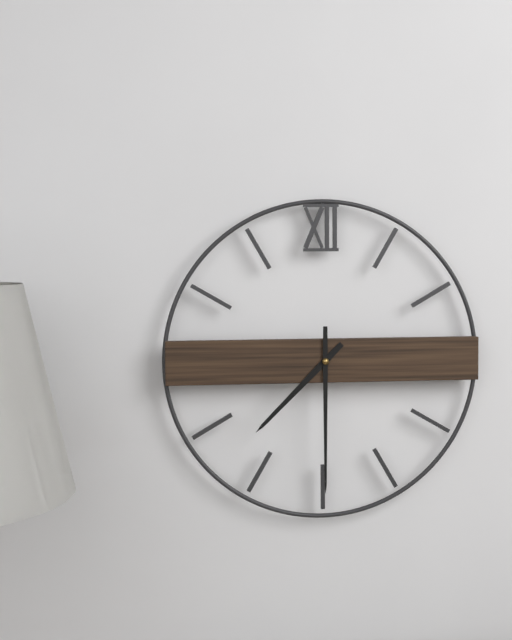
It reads 7.30
